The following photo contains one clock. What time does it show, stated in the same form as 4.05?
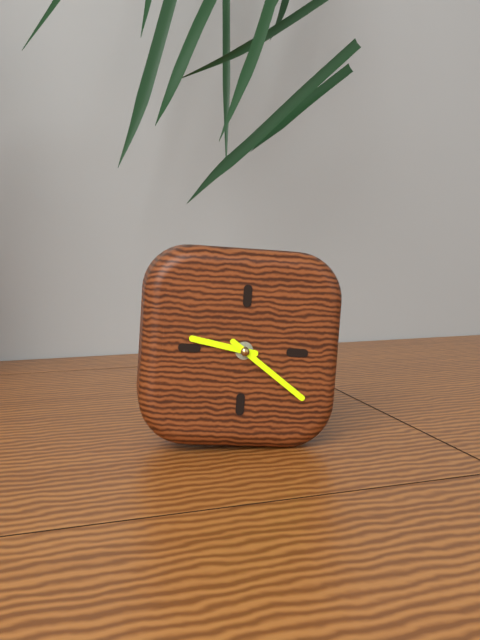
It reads 9.21
